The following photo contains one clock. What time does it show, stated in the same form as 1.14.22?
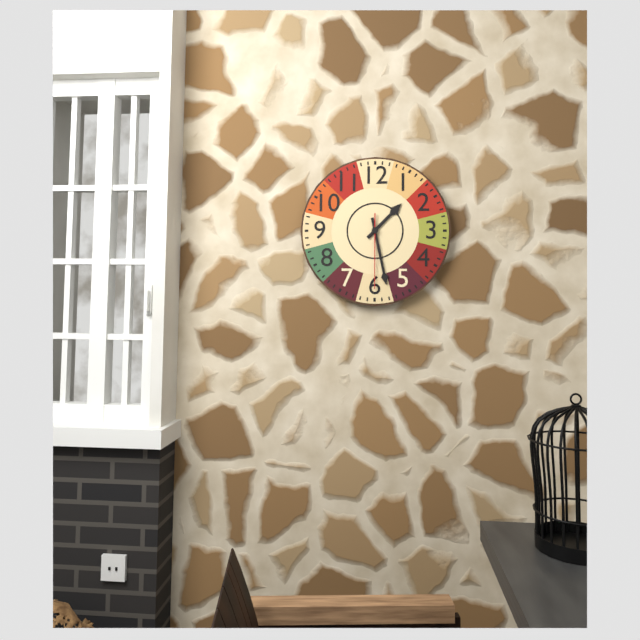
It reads 1.28.30
